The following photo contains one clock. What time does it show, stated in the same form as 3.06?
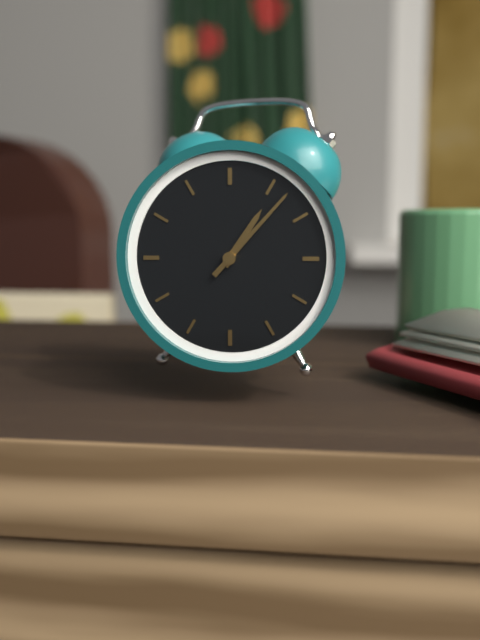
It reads 1.07
